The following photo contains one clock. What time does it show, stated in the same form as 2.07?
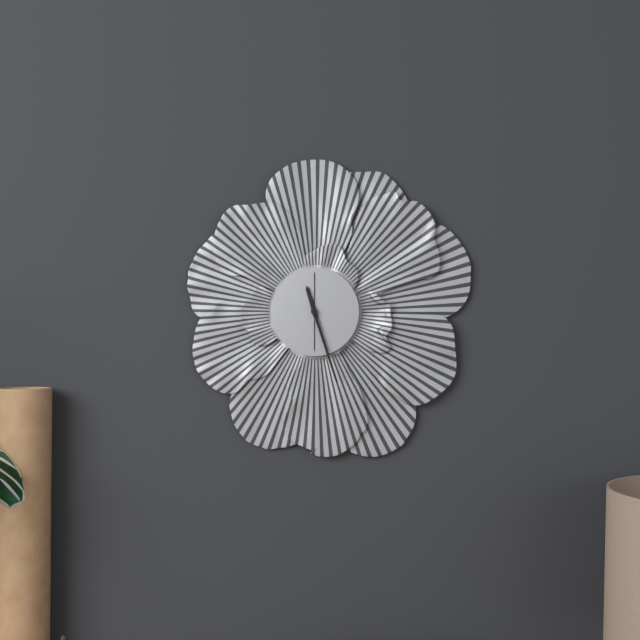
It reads 11.27
